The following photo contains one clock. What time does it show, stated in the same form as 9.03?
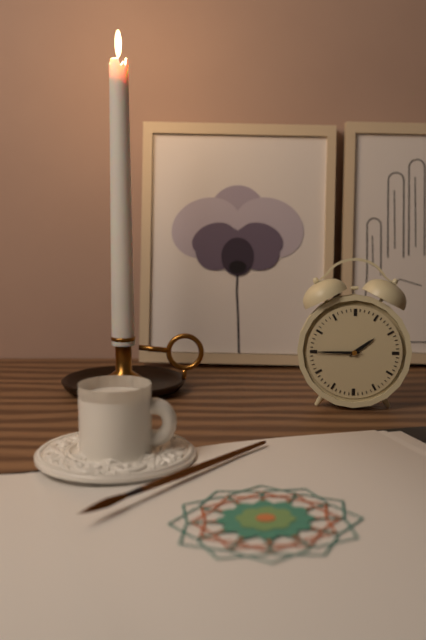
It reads 1.45
